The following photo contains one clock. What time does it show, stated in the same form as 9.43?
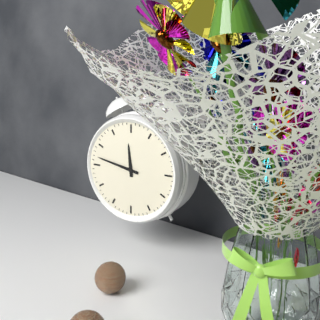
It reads 11.47
